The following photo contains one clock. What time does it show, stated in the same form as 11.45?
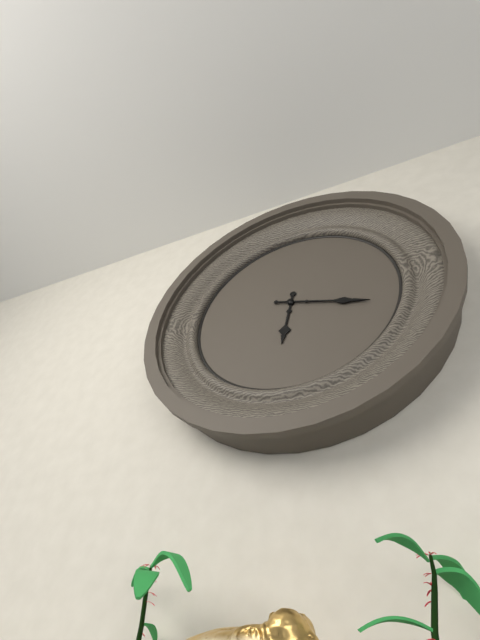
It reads 6.18
